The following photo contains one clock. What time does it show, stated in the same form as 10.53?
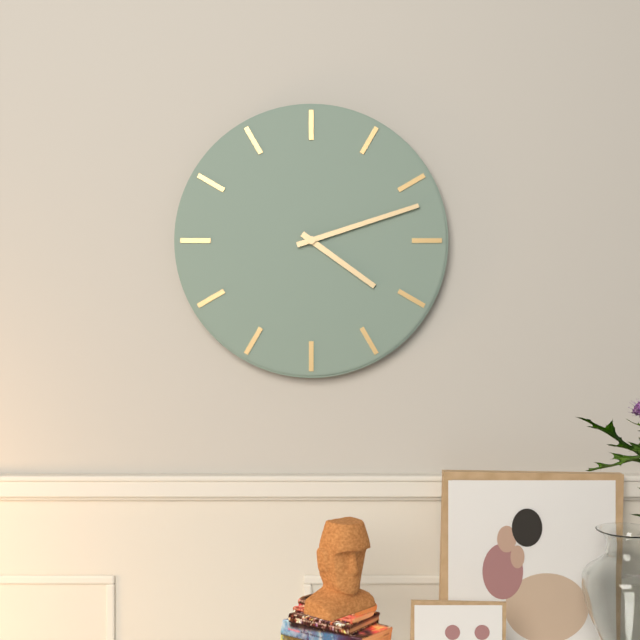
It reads 4.12
